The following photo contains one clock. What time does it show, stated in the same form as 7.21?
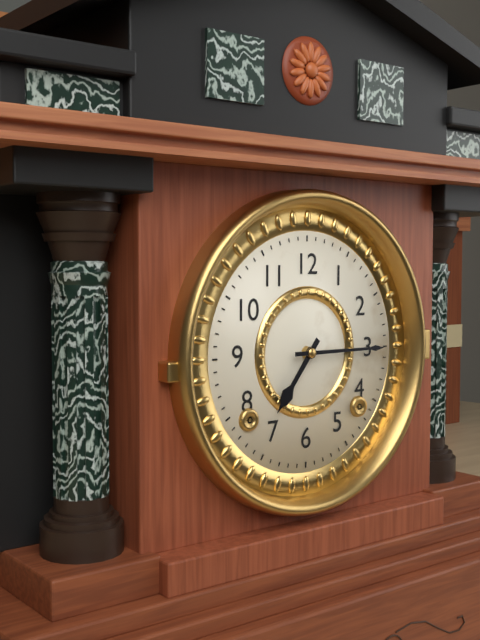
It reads 7.15
